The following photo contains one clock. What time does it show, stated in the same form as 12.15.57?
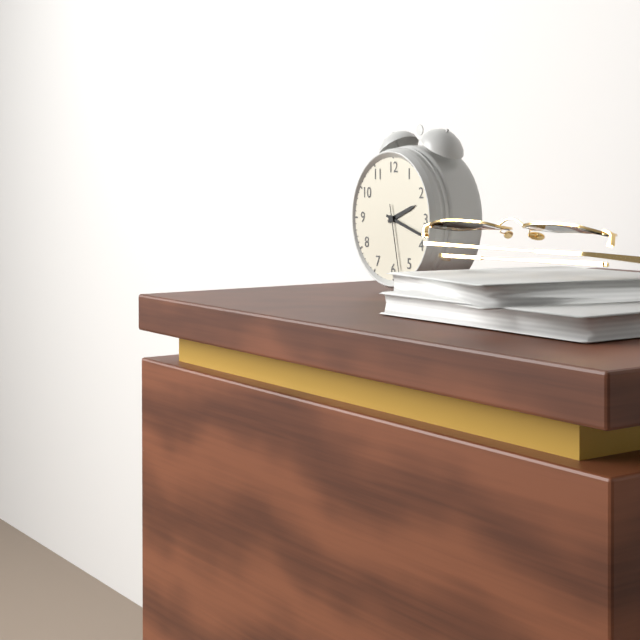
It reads 2.18.28
